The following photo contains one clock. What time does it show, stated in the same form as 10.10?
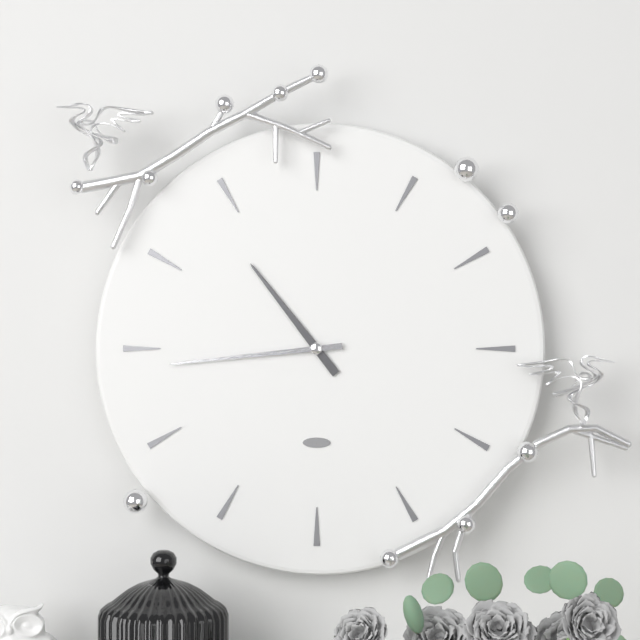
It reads 10.44
